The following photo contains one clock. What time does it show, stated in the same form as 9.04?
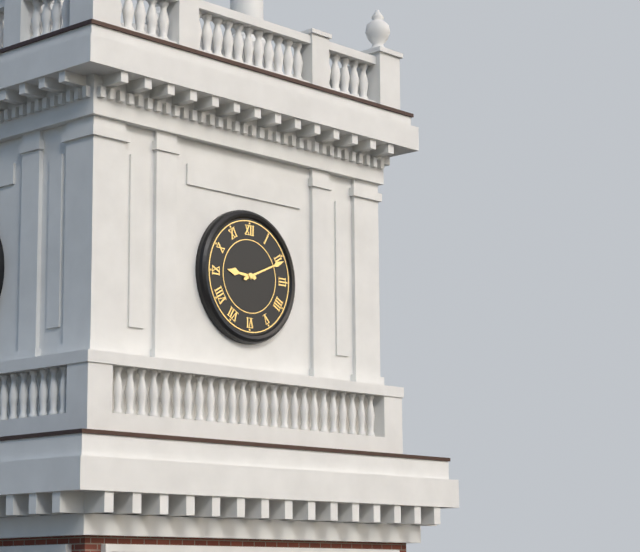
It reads 9.11
